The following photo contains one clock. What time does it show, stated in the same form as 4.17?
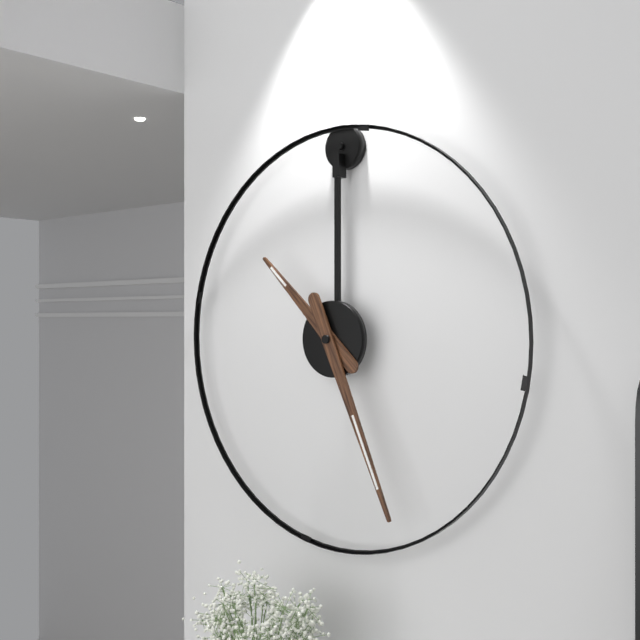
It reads 10.26
